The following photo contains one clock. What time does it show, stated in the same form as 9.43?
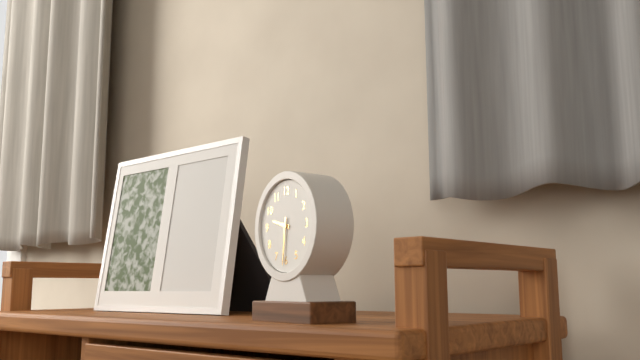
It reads 9.31
